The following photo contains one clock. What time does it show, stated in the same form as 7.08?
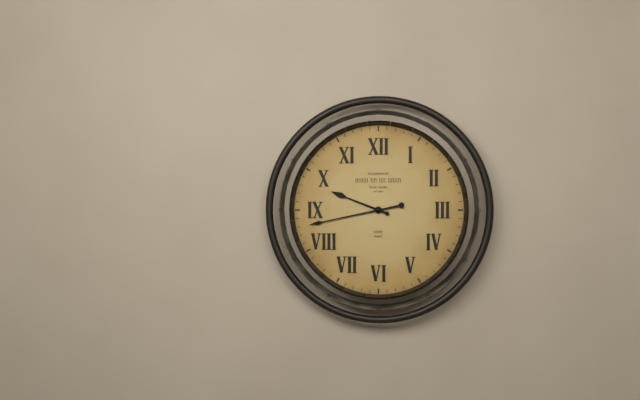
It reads 9.43
